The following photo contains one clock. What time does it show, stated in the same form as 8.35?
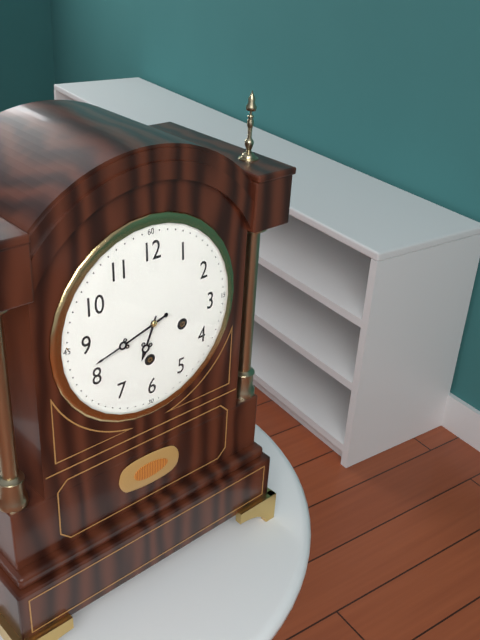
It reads 6.42
